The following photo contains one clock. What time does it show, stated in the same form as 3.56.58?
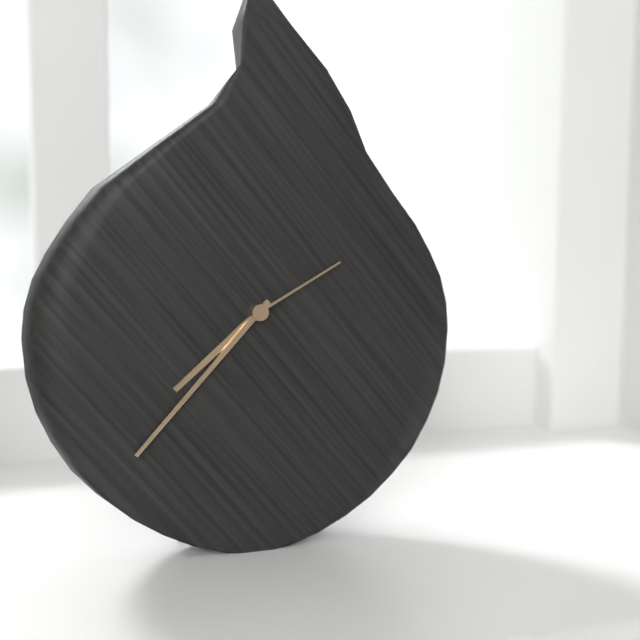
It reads 7.37.10
